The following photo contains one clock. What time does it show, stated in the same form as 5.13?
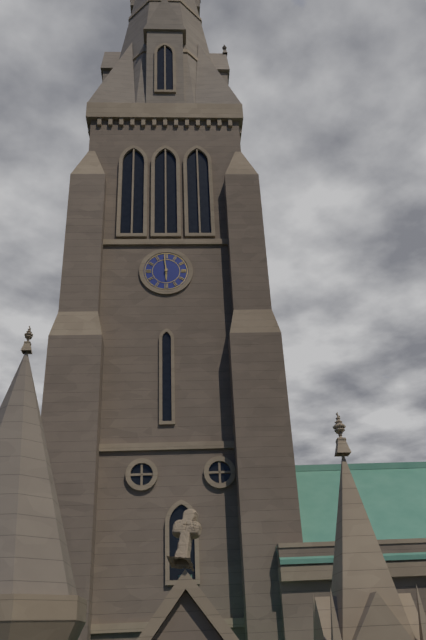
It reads 5.59
